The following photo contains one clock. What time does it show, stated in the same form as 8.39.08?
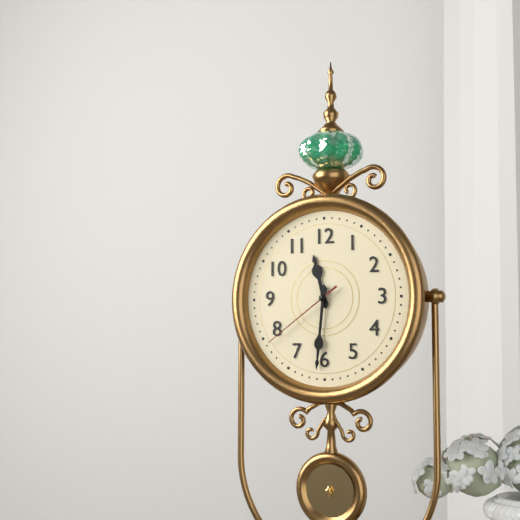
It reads 11.31.39
